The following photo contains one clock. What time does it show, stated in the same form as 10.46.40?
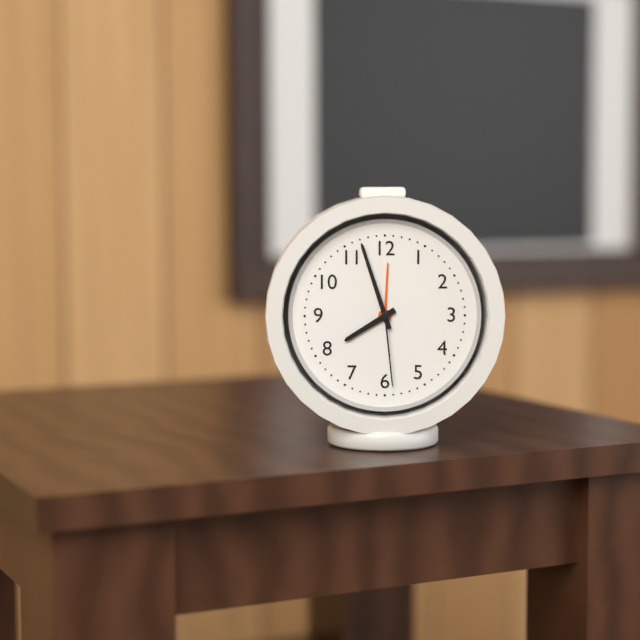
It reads 7.57.29
